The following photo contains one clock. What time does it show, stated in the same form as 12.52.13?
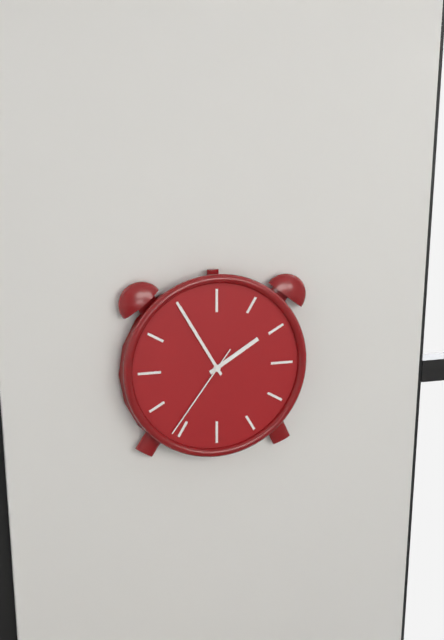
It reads 1.55.36
